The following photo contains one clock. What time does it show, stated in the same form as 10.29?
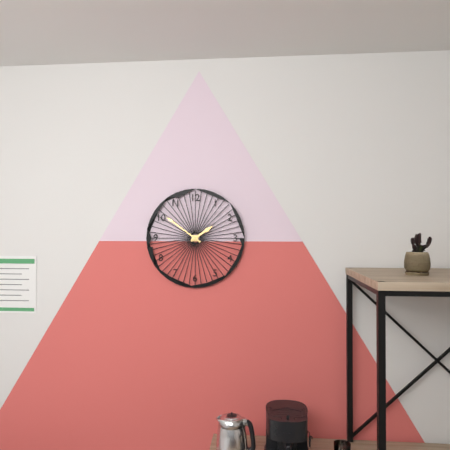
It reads 1.51
